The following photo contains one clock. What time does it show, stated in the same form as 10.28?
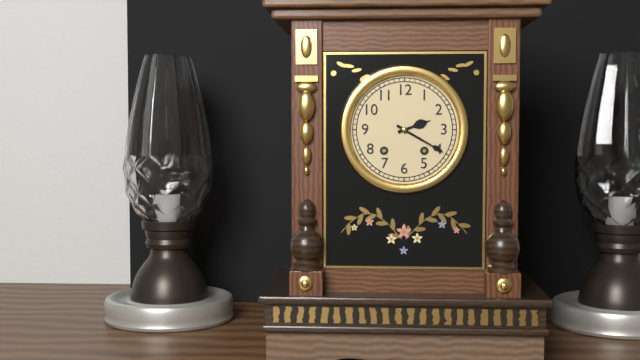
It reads 2.20
